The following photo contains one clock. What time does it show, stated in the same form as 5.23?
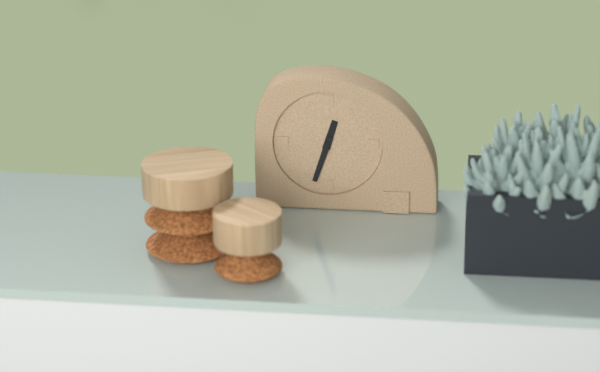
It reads 12.33
